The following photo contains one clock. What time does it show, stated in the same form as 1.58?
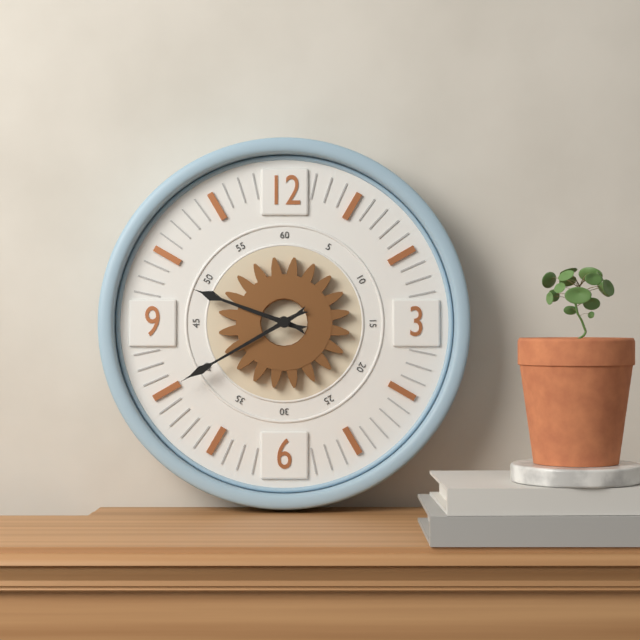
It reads 9.40
